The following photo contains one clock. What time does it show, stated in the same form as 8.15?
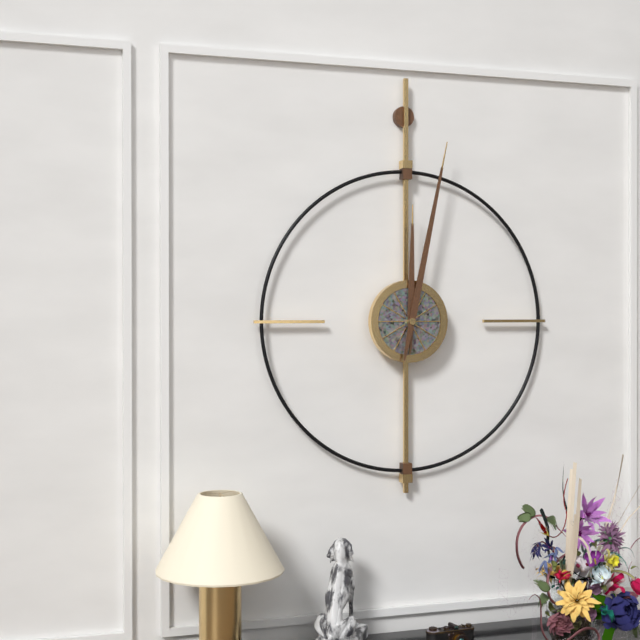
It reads 12.02
